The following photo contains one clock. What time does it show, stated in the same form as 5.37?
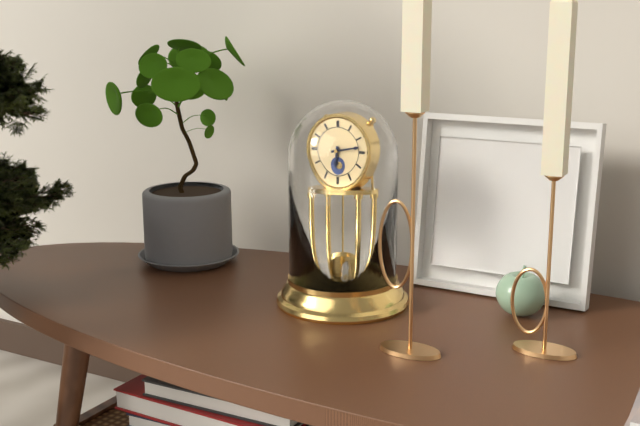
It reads 6.13
